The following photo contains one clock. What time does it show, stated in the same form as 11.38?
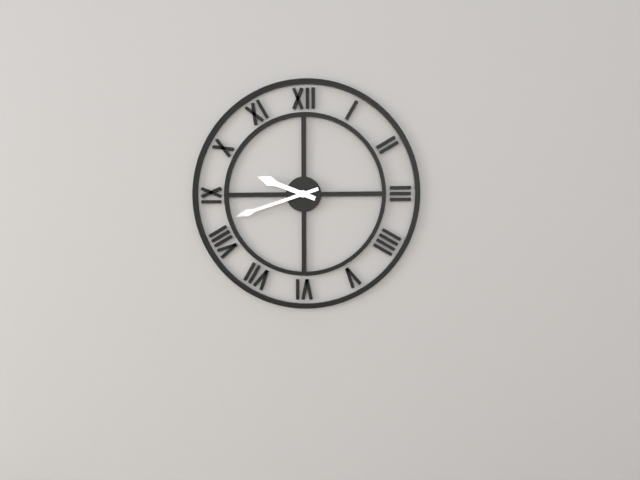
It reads 9.42
